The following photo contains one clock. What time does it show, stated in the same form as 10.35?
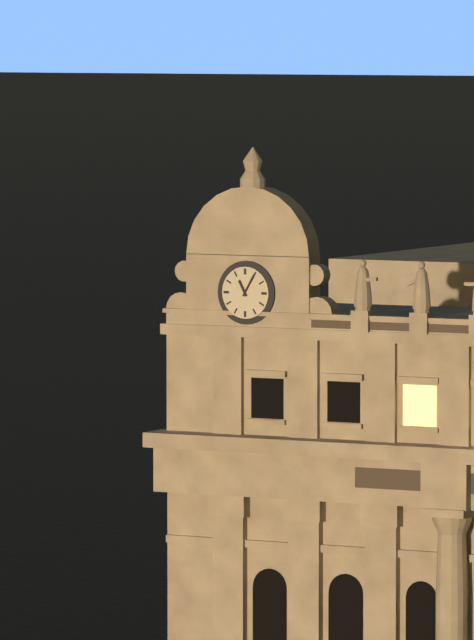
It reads 11.05
